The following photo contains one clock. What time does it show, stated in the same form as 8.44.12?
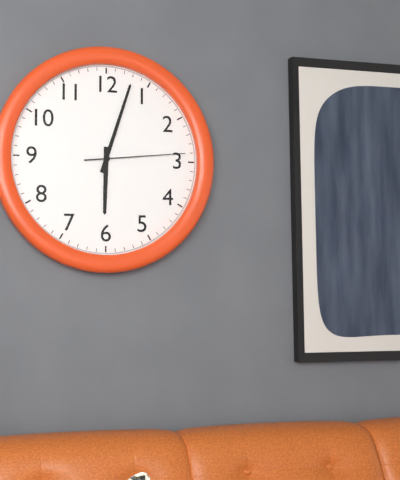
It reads 6.03.14
